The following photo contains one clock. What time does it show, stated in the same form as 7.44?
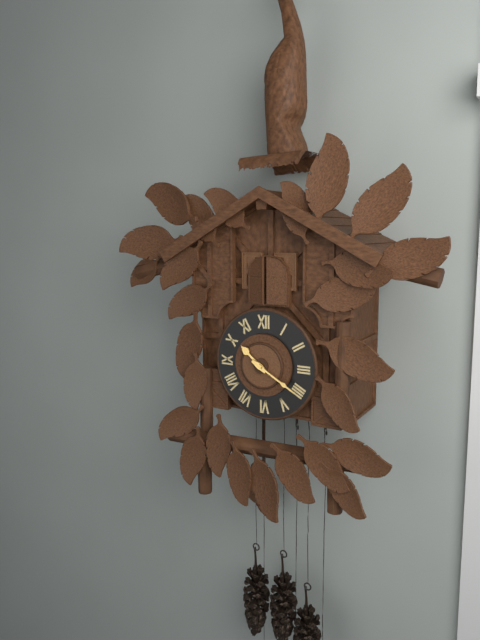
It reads 10.20
